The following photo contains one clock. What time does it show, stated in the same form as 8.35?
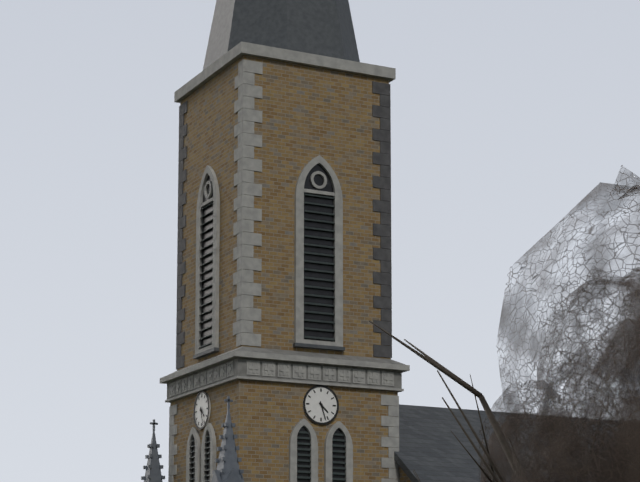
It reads 4.27
